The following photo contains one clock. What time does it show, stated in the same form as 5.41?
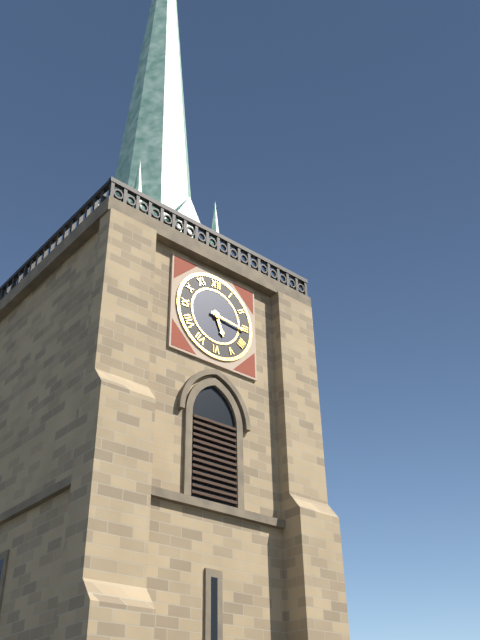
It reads 5.16
